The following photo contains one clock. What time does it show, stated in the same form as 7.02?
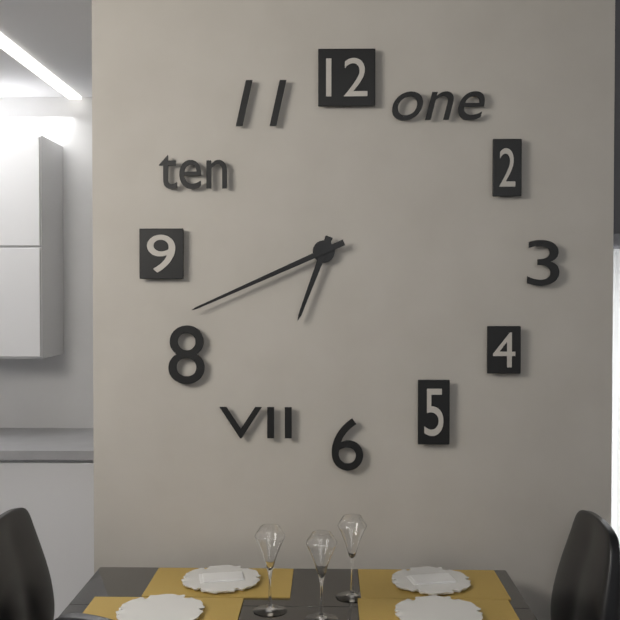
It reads 6.41
